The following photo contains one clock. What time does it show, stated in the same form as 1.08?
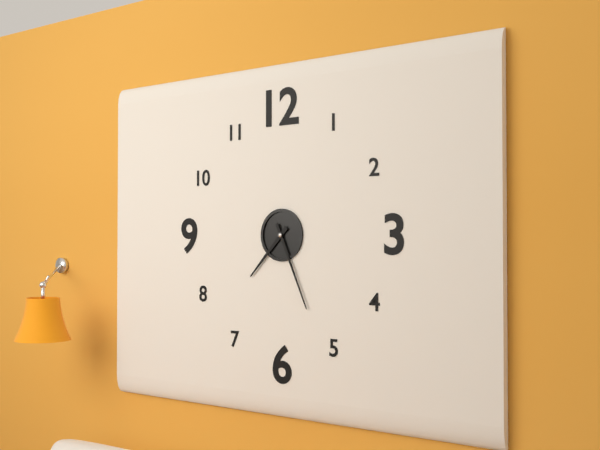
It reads 7.26
